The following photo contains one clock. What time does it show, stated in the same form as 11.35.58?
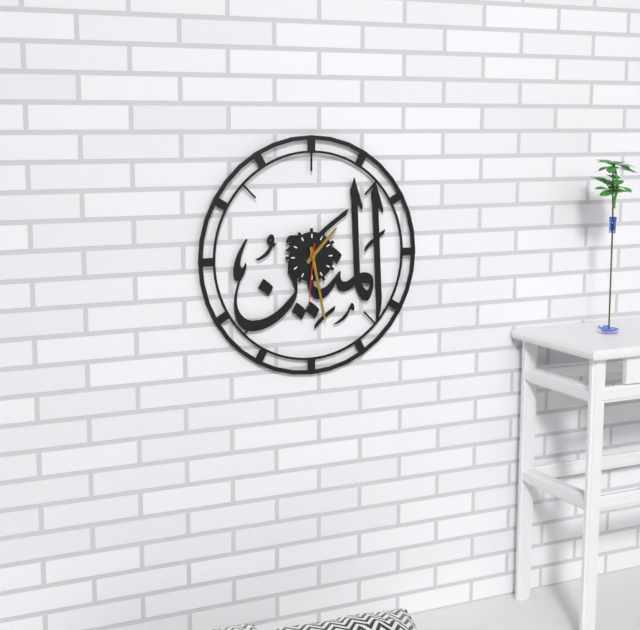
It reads 1.28.31
